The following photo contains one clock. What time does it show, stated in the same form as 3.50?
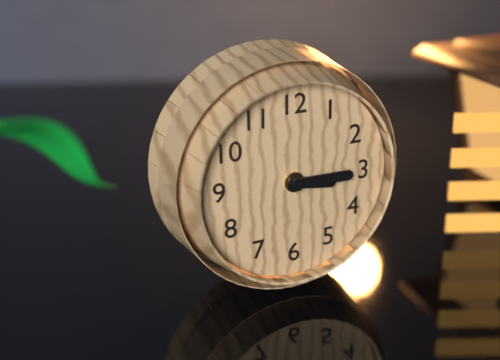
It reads 3.15
